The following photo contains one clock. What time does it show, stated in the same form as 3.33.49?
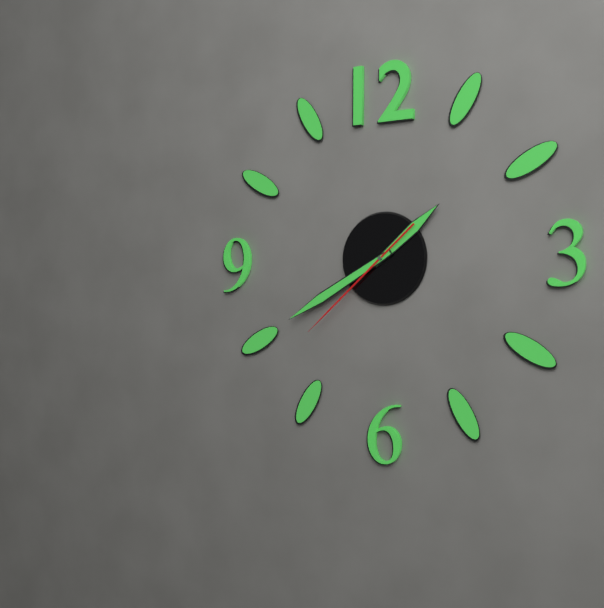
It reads 1.40.38
